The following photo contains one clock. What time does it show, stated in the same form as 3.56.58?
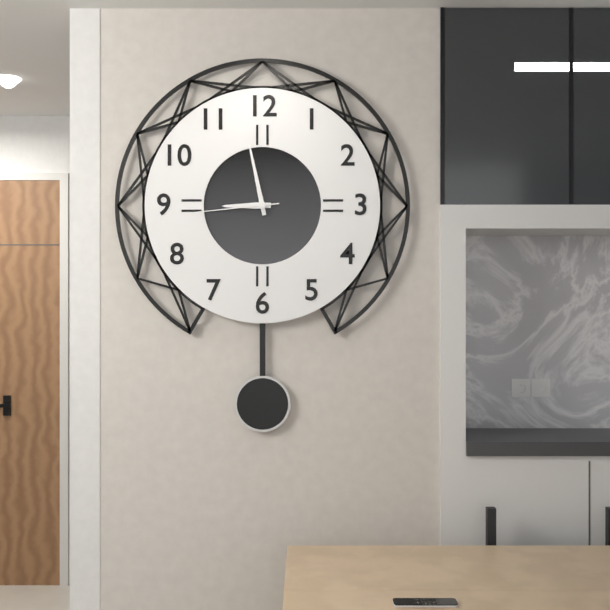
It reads 8.58.44
